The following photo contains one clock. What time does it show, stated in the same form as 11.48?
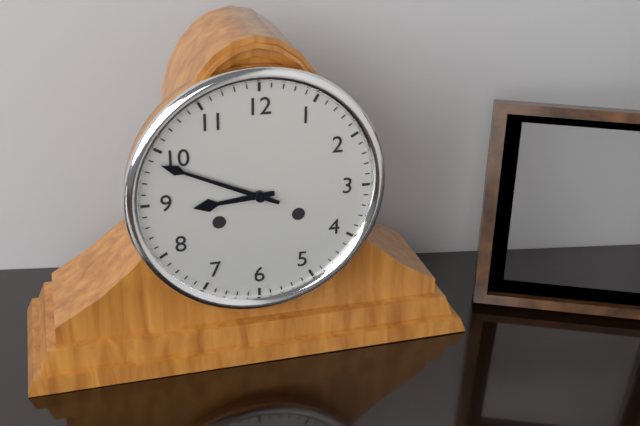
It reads 8.49
